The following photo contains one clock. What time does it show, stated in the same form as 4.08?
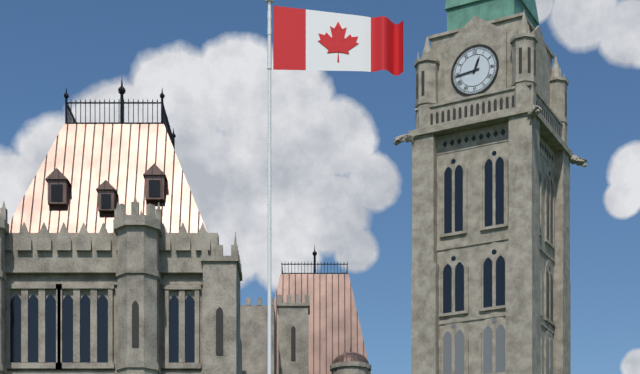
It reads 12.44
